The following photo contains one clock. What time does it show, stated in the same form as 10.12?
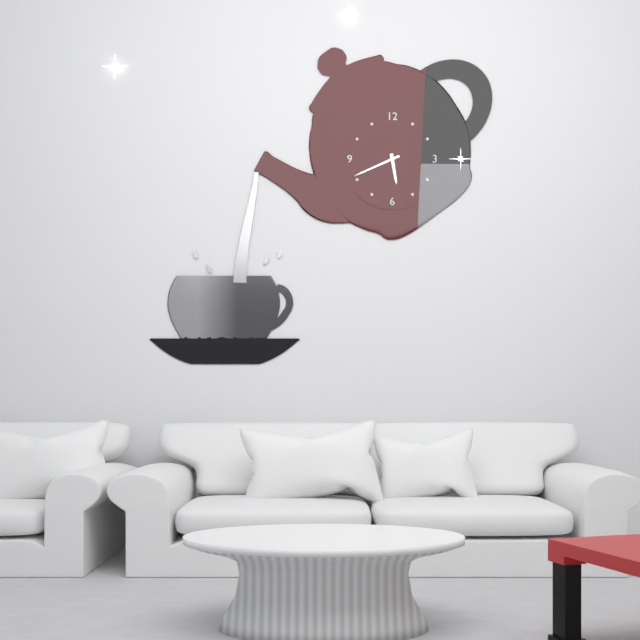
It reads 5.41
